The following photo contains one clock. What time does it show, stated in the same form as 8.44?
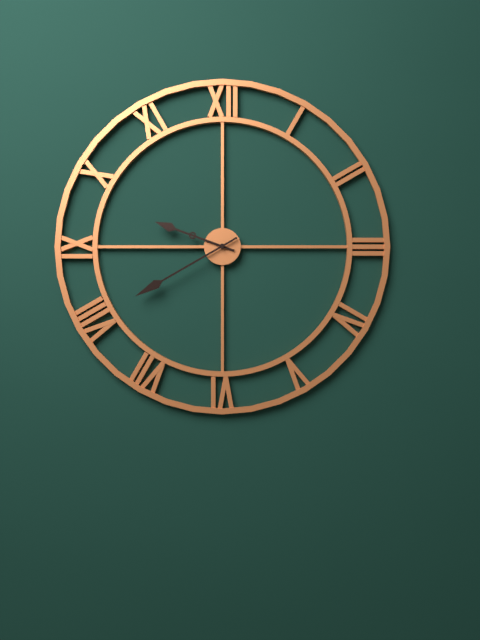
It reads 9.40
